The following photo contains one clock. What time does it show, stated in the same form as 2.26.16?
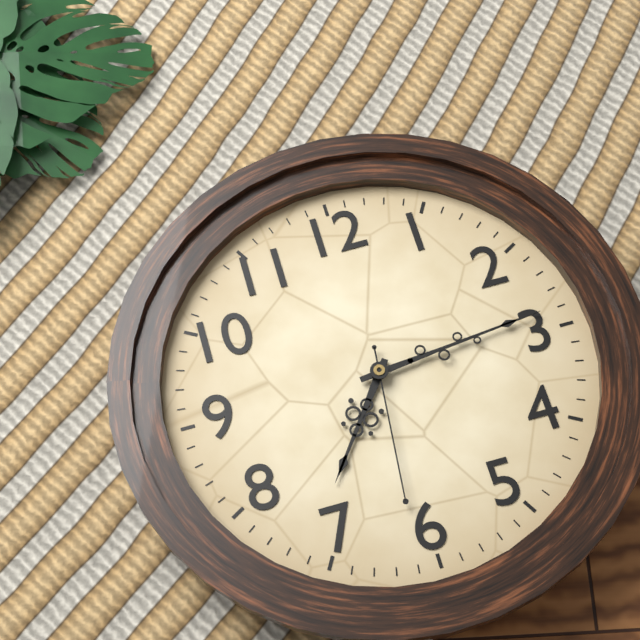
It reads 7.14.31
